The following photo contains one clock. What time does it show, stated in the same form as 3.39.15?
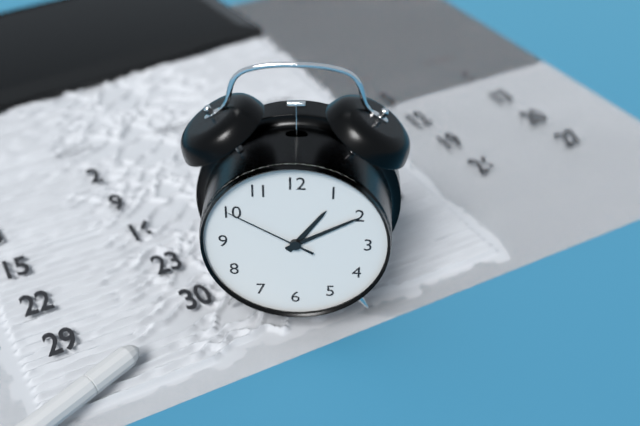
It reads 1.10.50
